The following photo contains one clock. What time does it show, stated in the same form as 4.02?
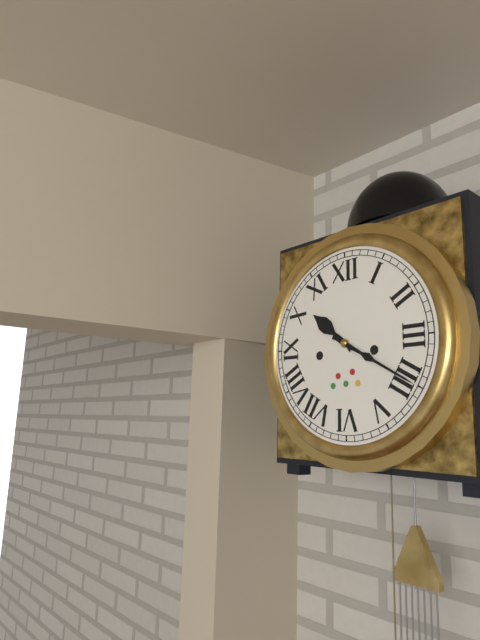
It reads 10.20
